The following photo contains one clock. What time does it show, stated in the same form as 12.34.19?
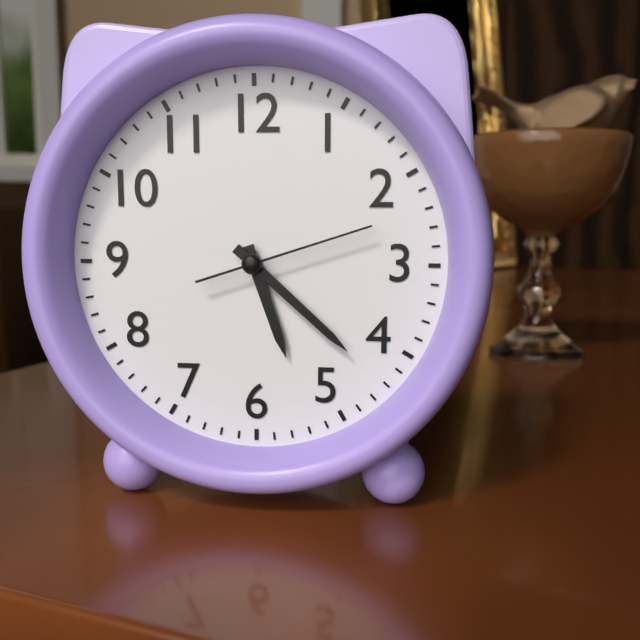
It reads 5.22.12
